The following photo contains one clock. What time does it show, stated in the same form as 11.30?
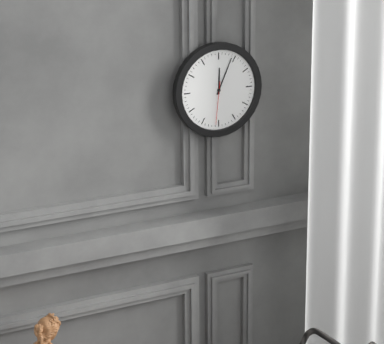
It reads 12.04
